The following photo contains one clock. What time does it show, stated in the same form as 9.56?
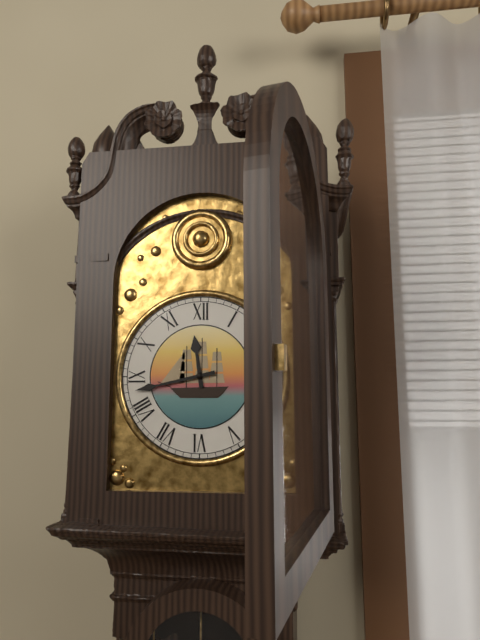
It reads 11.43
